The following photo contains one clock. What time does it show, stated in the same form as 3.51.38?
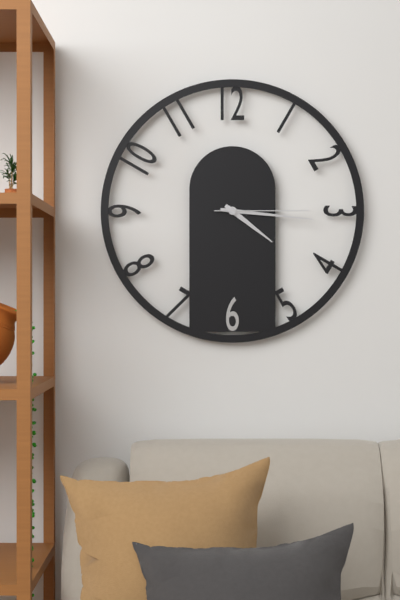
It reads 4.16.15
